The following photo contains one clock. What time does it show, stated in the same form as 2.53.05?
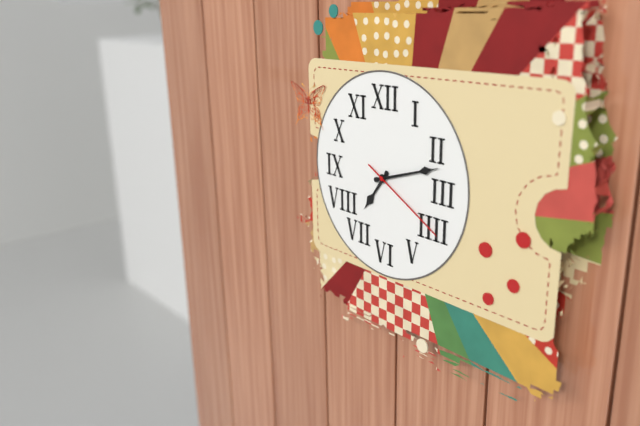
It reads 7.12.20
